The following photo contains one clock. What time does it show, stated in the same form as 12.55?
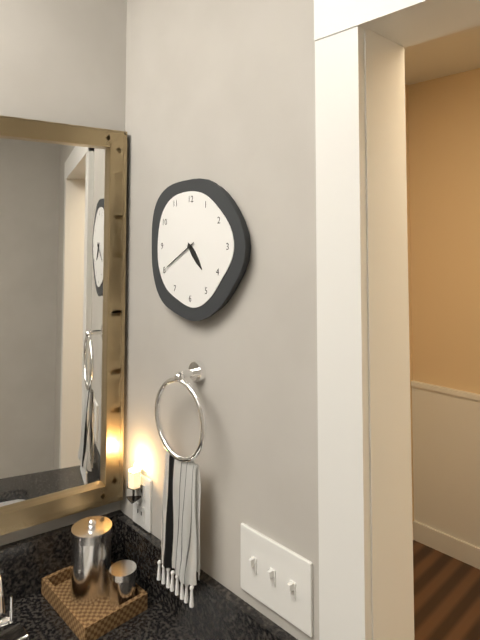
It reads 4.40
